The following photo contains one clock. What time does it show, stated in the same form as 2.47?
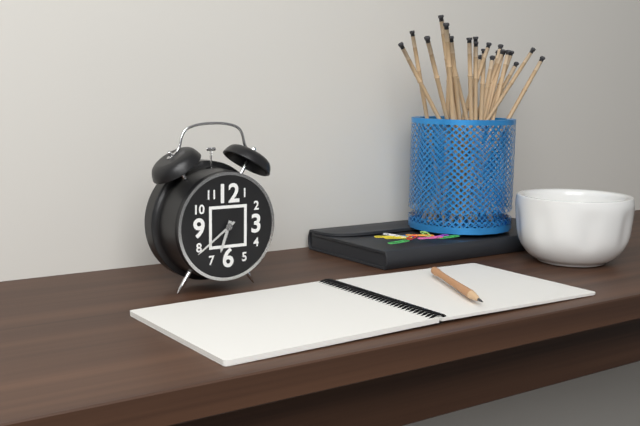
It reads 6.39
